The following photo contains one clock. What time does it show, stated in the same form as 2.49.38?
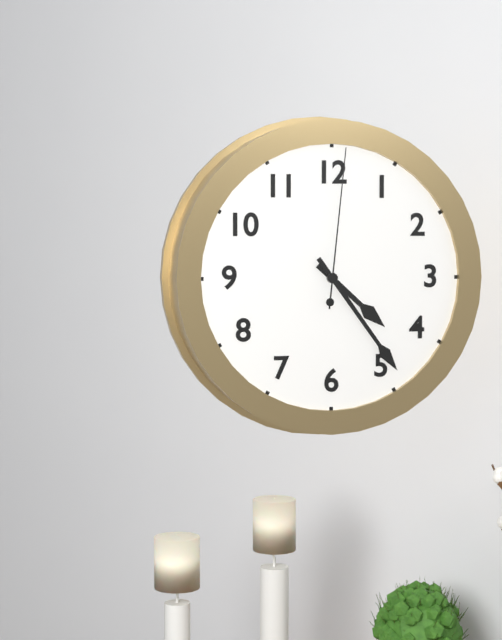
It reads 4.24.01
